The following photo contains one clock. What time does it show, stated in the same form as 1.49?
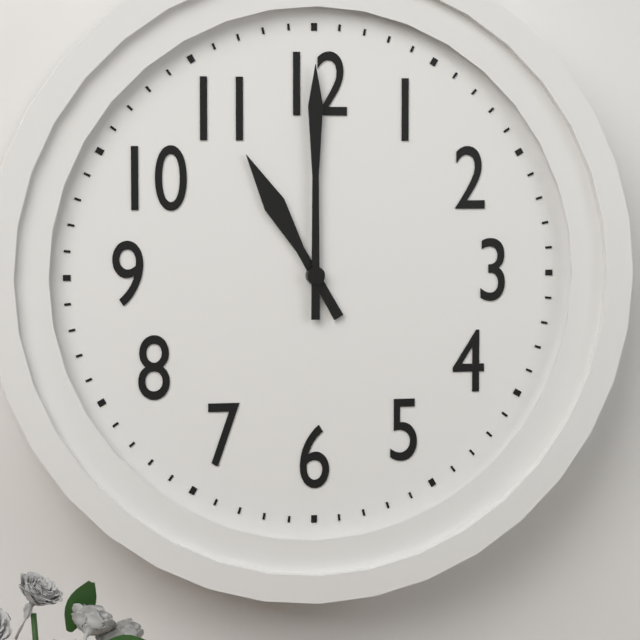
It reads 11.00
